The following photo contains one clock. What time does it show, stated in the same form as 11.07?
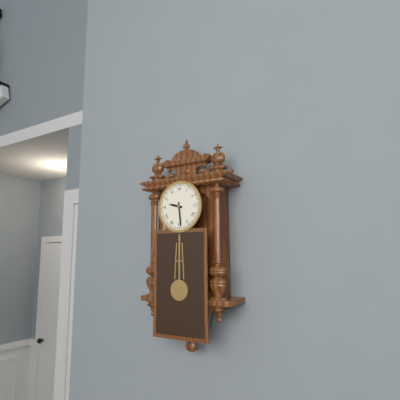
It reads 9.29
